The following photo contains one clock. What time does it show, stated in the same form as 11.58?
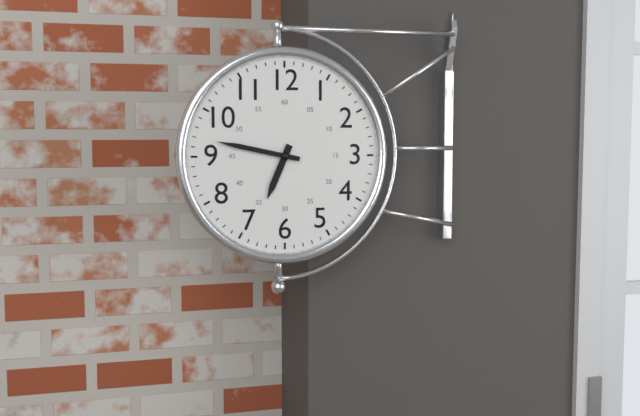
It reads 6.47
